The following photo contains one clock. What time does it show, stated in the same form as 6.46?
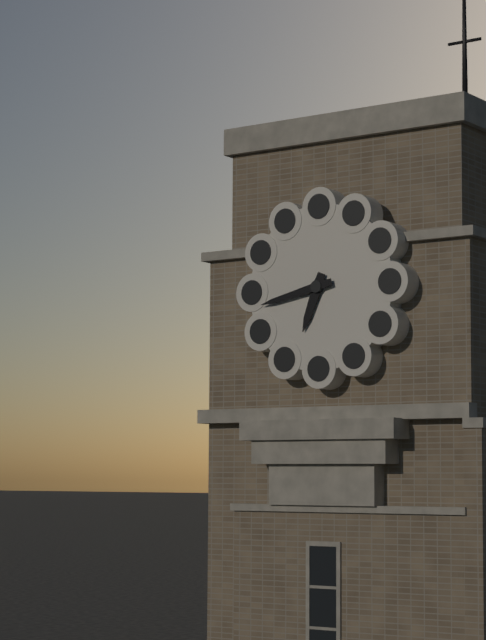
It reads 6.43
